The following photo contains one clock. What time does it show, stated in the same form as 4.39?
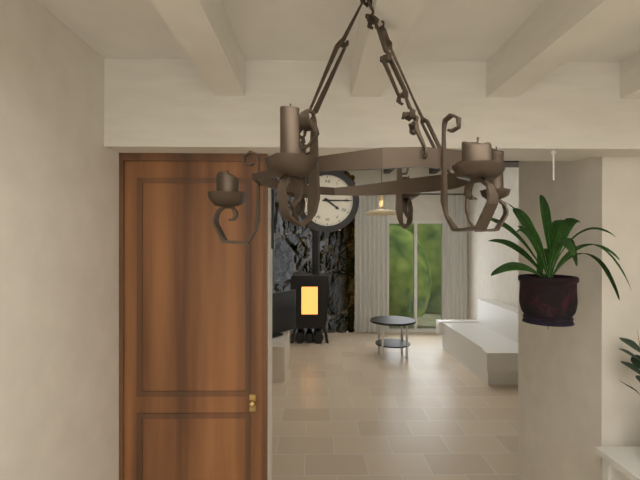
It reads 4.15
